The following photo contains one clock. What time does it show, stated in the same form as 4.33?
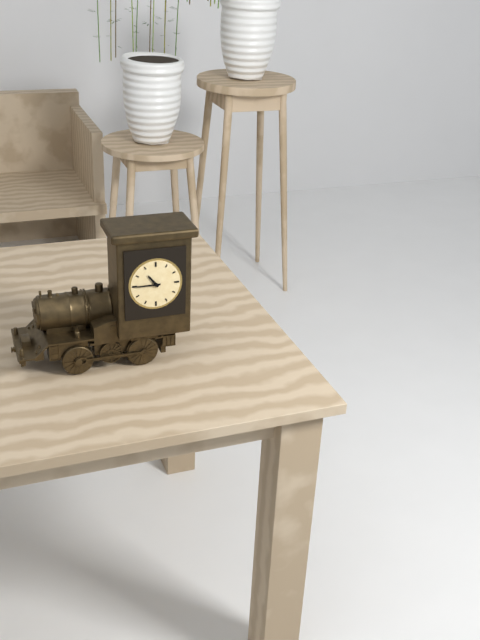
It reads 10.45
